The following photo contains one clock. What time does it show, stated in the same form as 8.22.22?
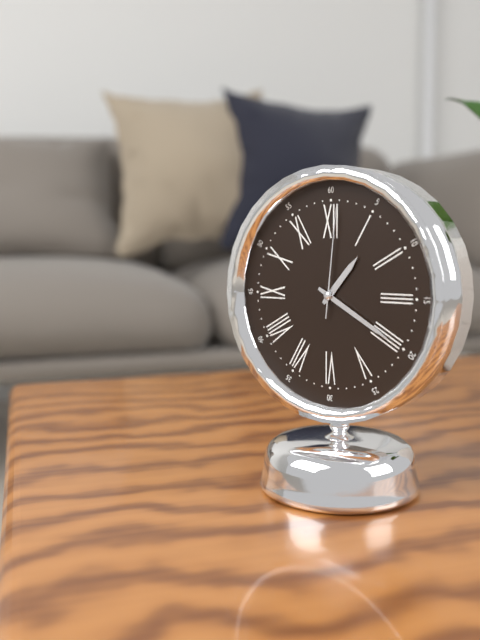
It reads 1.20.01
